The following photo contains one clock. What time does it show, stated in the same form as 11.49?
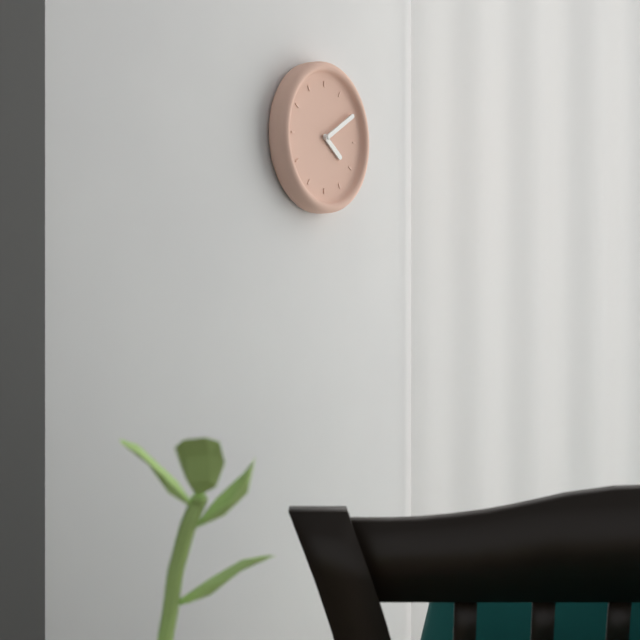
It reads 4.10
